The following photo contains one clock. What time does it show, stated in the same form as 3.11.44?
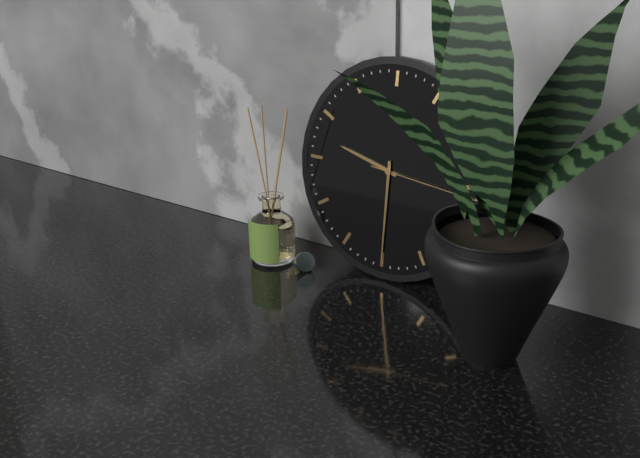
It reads 9.30.16
